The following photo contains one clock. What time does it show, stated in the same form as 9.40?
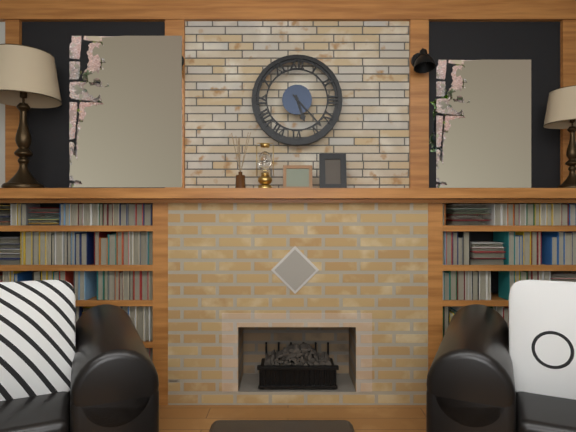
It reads 5.23
